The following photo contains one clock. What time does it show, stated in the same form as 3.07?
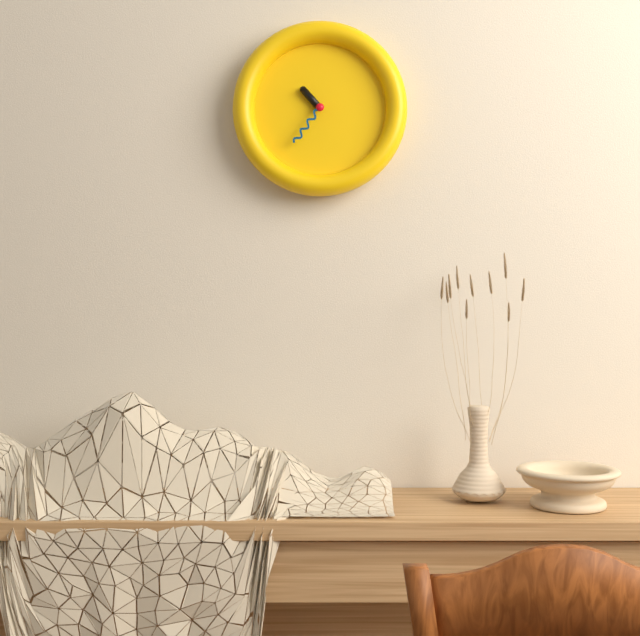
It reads 10.36
